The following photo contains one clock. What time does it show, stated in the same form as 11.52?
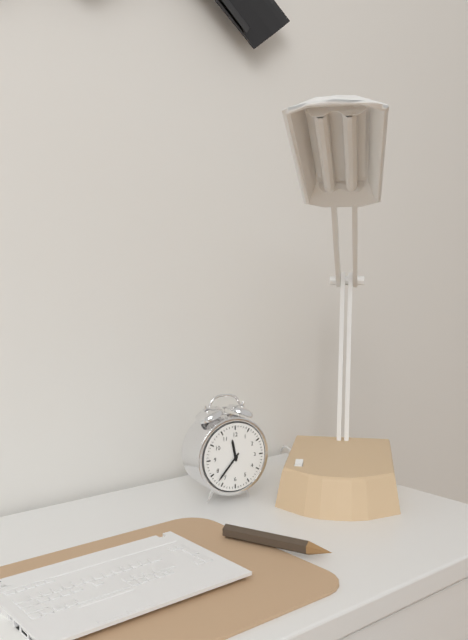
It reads 11.37
